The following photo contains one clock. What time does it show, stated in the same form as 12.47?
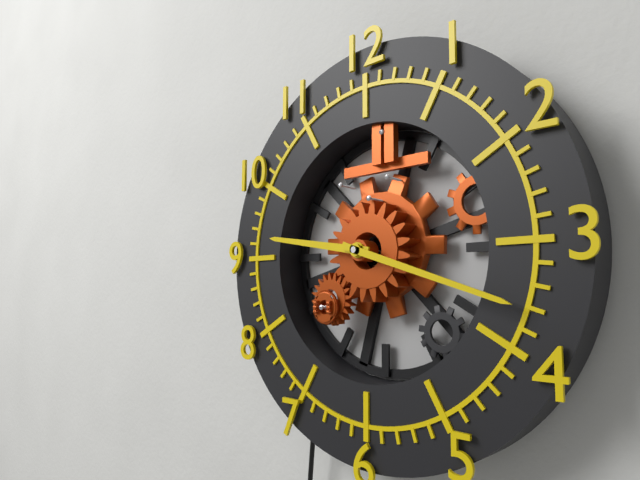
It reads 9.18
